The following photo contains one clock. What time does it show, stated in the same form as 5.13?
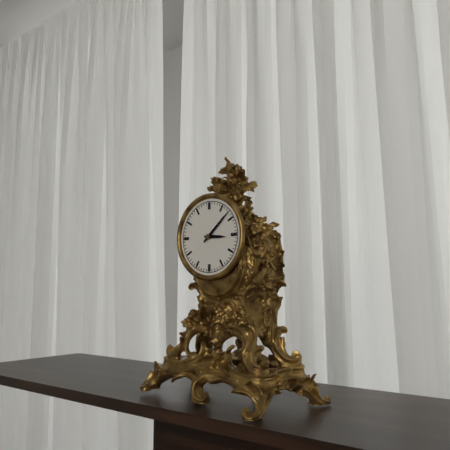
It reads 3.08
